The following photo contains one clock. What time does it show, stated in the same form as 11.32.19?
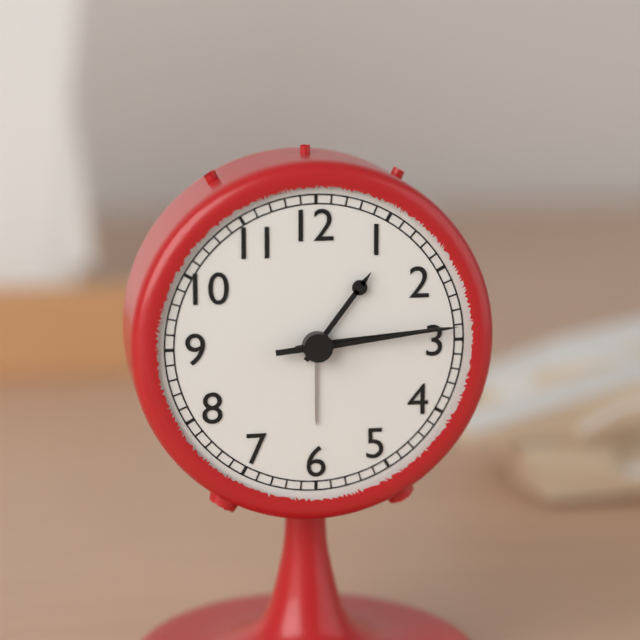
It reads 1.14.14
